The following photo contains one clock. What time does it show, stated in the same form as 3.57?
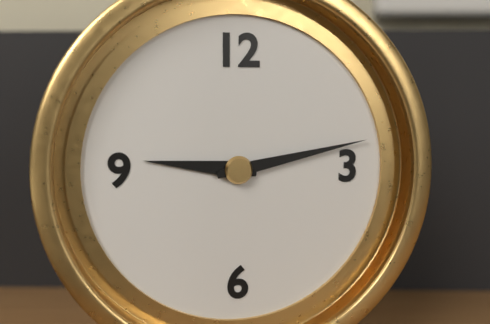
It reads 9.13
